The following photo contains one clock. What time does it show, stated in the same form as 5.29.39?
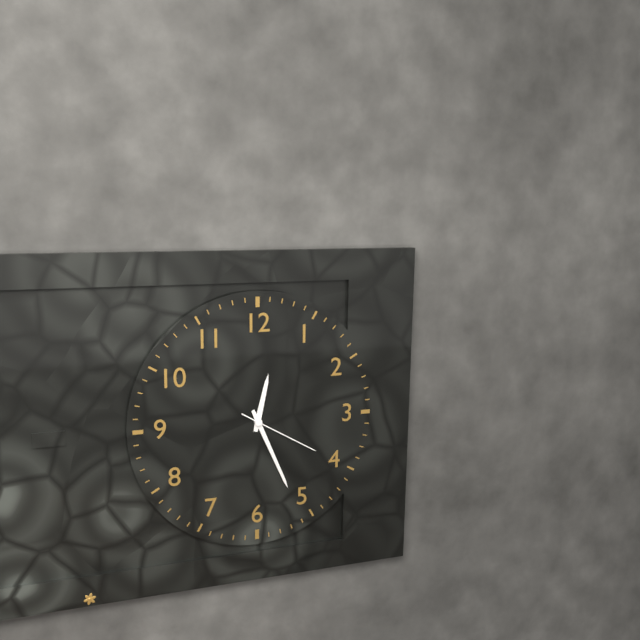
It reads 12.26.20
